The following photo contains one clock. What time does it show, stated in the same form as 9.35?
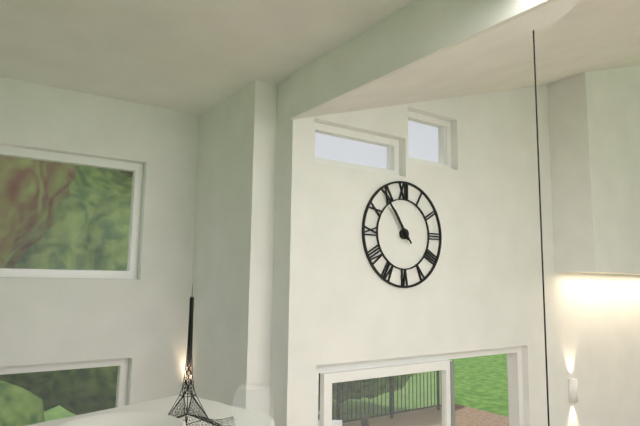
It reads 10.54
